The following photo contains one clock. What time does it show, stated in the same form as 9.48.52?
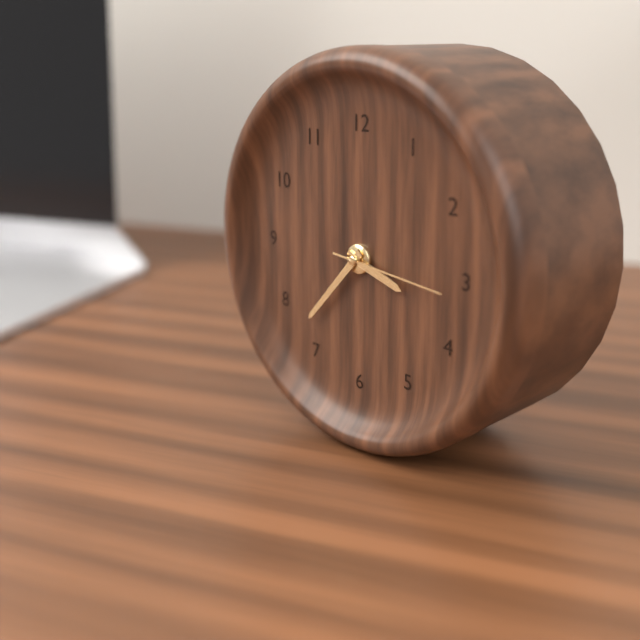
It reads 3.37.16
